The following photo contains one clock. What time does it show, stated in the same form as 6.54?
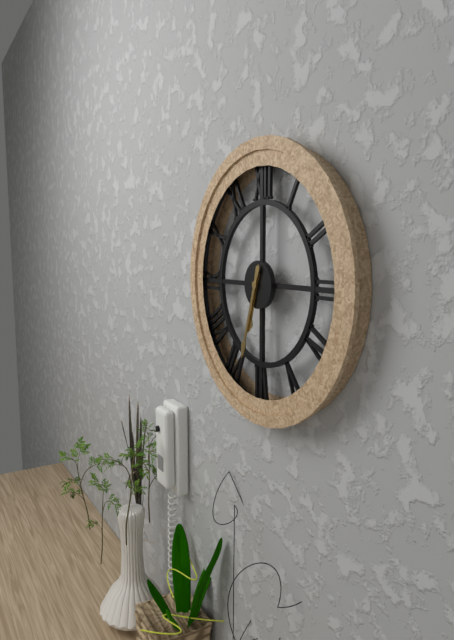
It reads 6.33
